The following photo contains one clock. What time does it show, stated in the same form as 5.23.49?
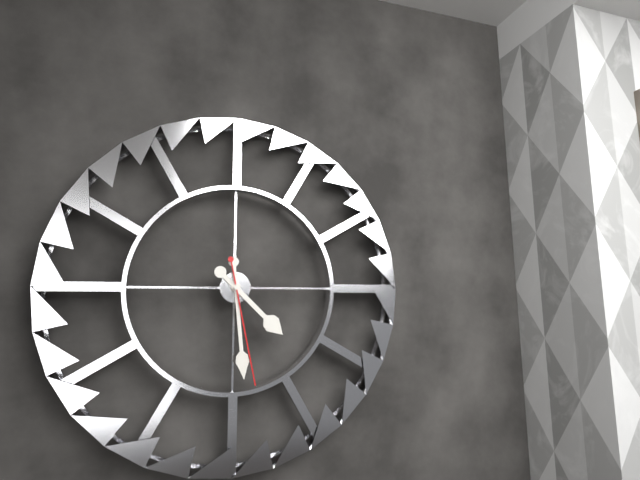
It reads 4.29.28
